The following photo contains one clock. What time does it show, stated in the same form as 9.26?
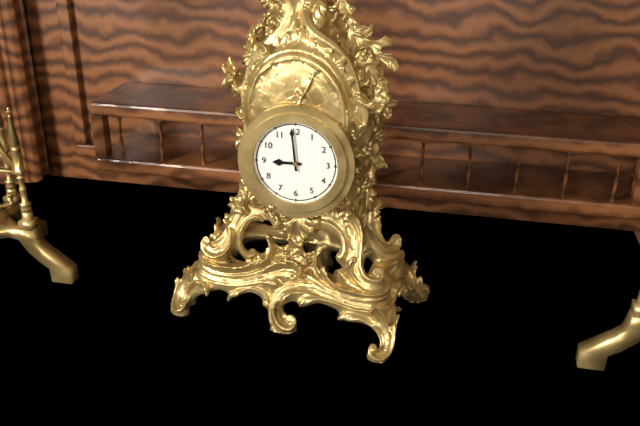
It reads 8.59
